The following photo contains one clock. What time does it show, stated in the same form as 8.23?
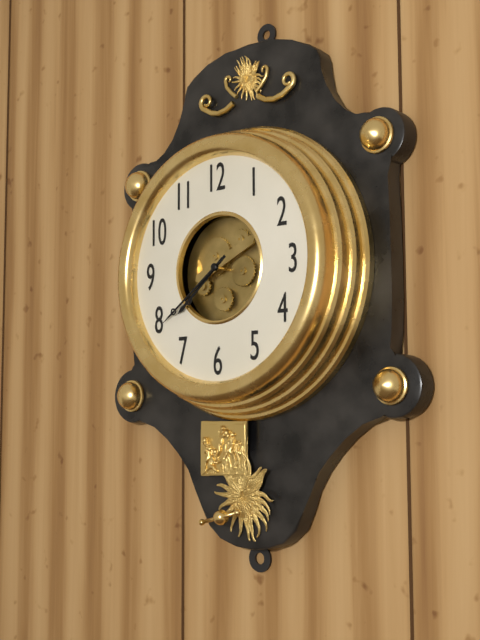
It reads 7.39
